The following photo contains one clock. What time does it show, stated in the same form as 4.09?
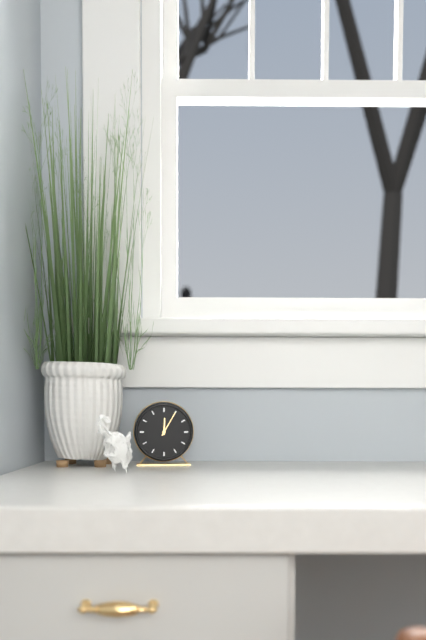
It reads 12.05
